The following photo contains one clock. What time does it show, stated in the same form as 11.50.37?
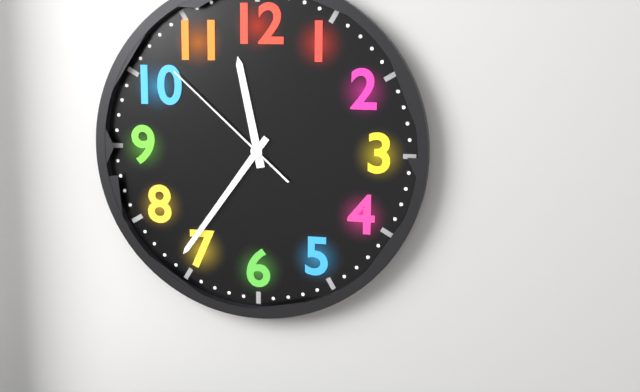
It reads 11.36.52
